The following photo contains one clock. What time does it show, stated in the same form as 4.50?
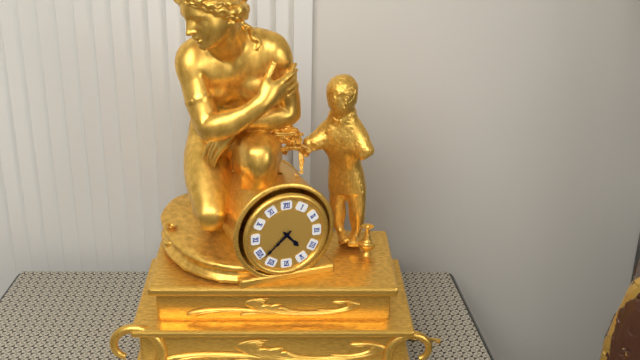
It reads 4.38
